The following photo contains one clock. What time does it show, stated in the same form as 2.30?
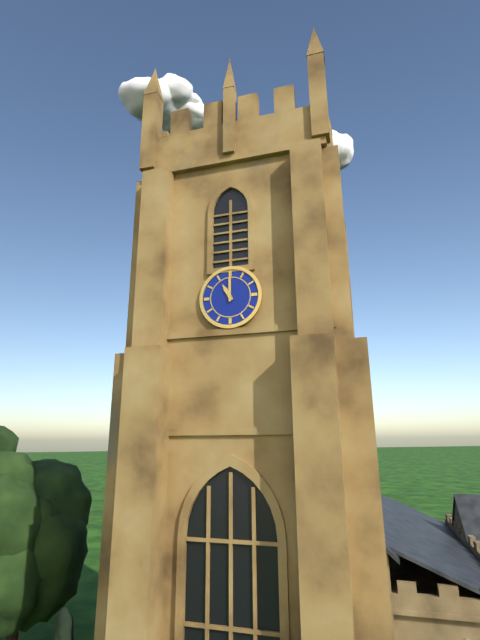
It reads 11.00
